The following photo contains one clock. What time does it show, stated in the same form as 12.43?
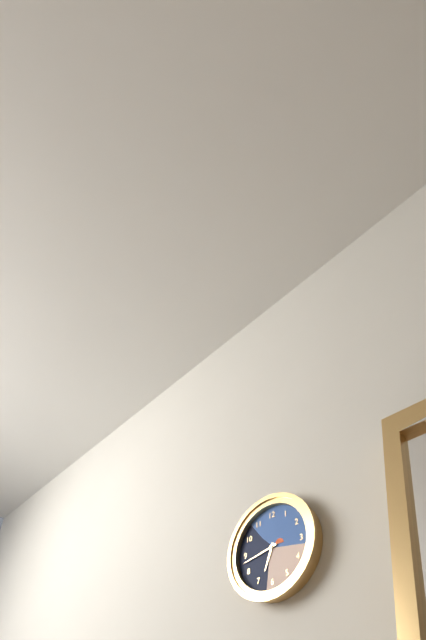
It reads 6.43
